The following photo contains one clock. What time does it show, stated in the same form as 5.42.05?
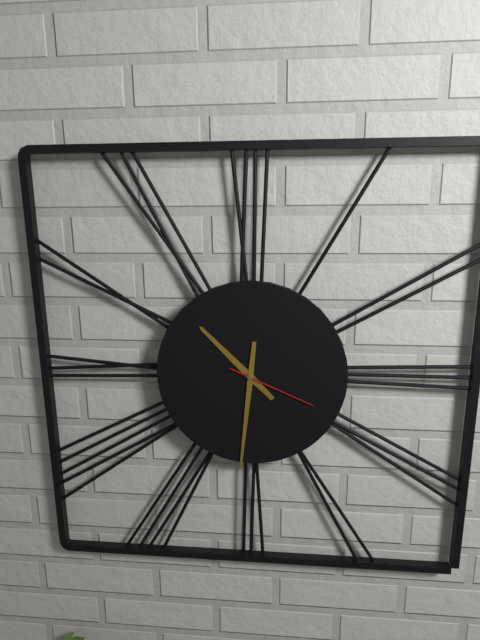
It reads 10.31.19
